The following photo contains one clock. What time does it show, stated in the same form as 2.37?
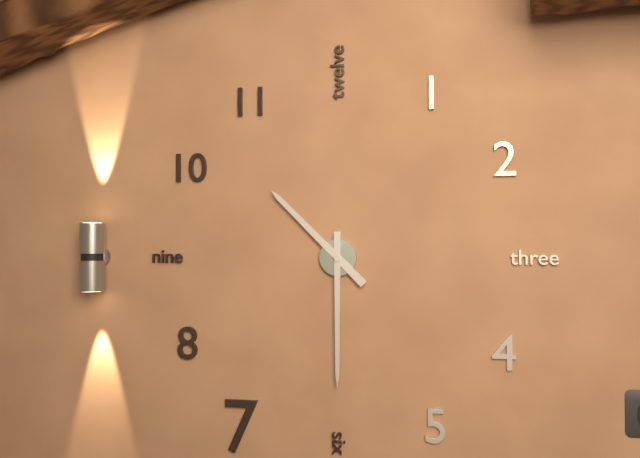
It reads 10.30
